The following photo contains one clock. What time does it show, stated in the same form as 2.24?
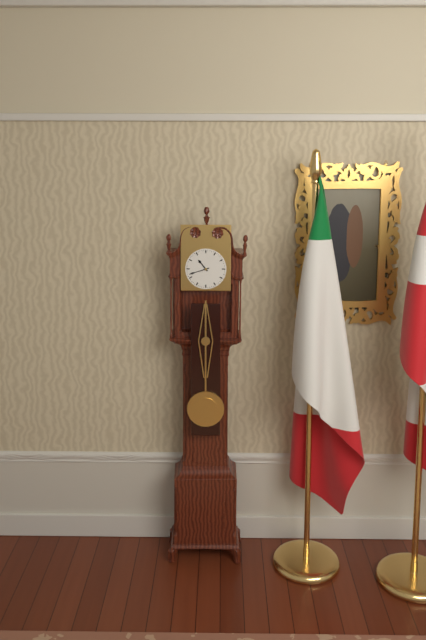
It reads 10.42
